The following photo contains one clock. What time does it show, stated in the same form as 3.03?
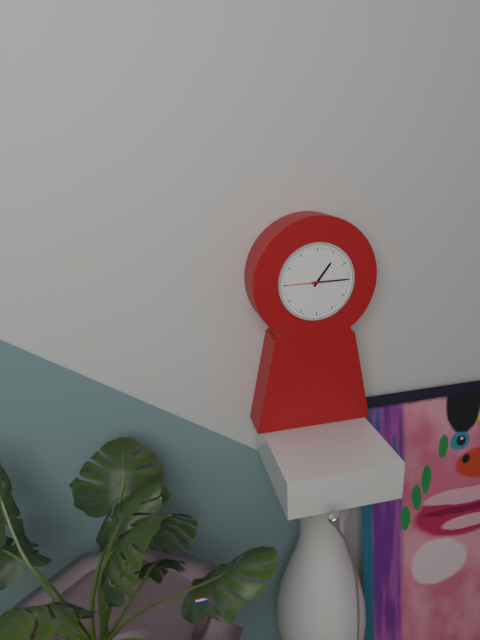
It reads 1.15
